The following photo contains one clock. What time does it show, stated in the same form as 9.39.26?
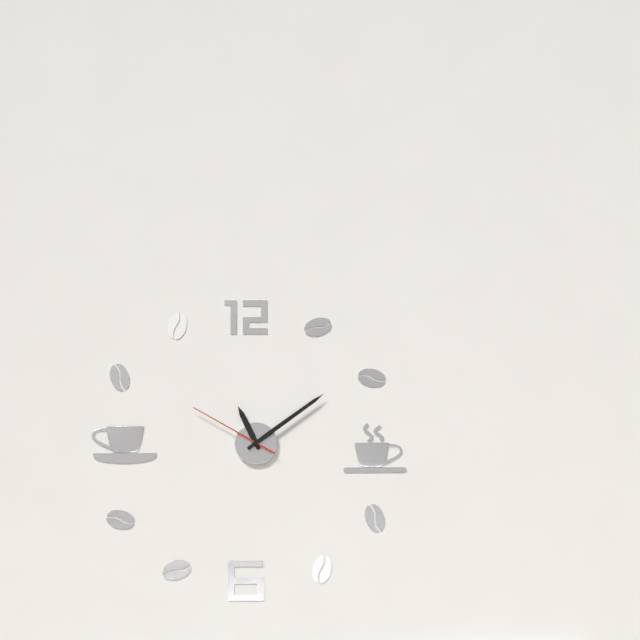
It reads 11.09.50
